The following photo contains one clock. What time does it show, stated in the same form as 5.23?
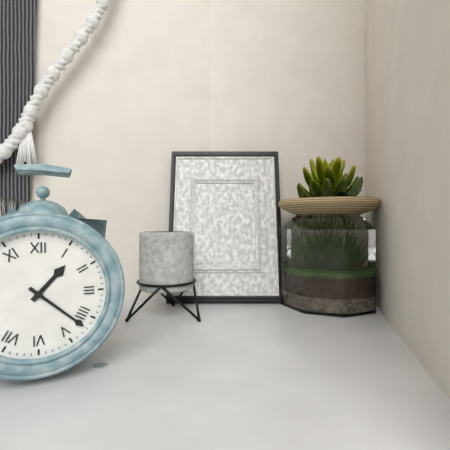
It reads 1.22
